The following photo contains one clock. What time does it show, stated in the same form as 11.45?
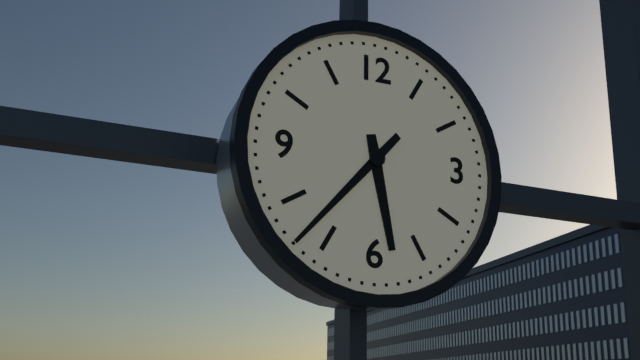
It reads 5.37
